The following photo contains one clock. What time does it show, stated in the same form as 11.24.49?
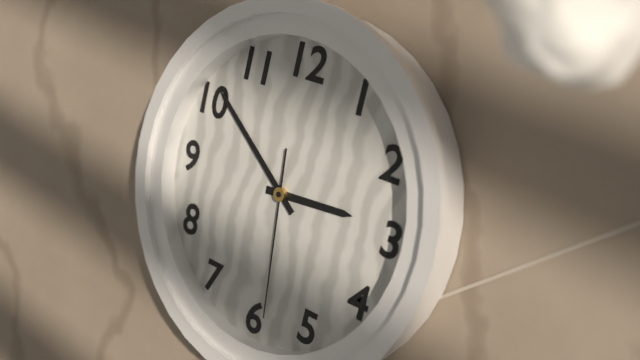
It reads 2.51.29
